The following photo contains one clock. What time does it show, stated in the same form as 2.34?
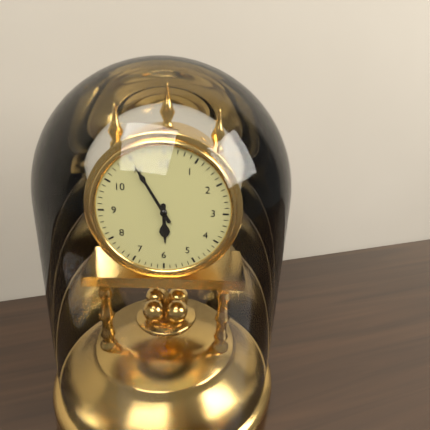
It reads 5.55
